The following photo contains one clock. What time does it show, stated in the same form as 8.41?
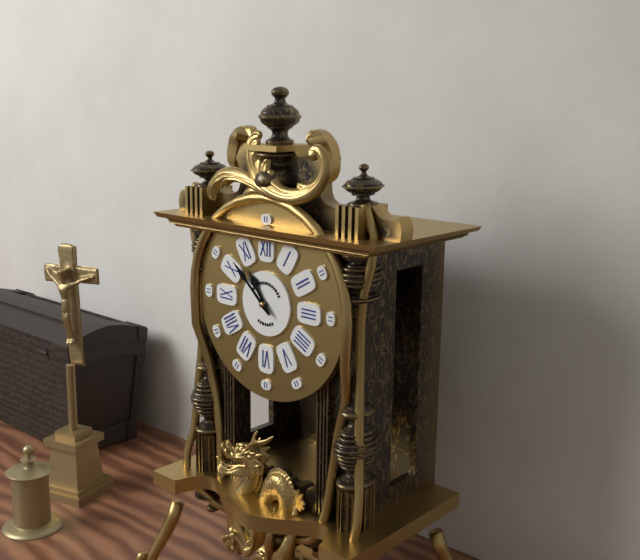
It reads 10.52
